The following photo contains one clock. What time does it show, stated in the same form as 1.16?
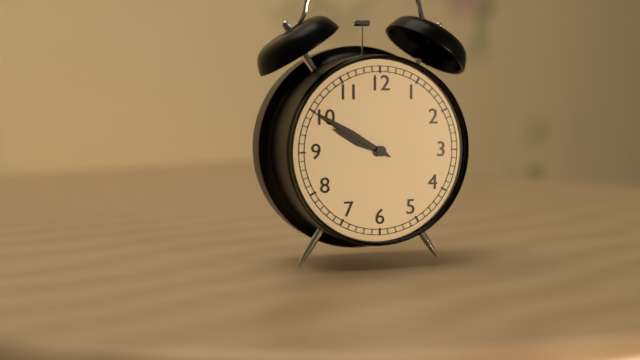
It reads 9.50
